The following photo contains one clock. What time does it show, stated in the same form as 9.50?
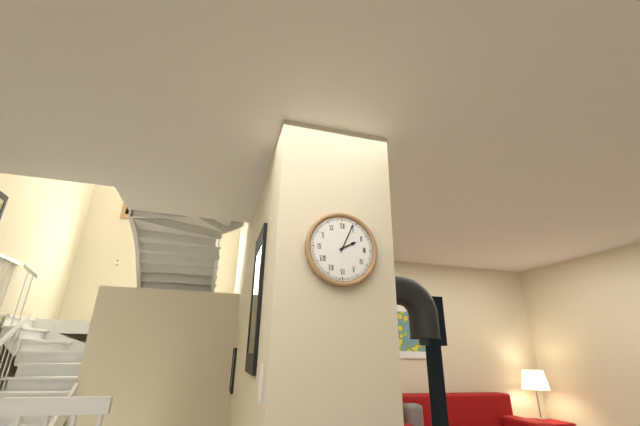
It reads 2.04
